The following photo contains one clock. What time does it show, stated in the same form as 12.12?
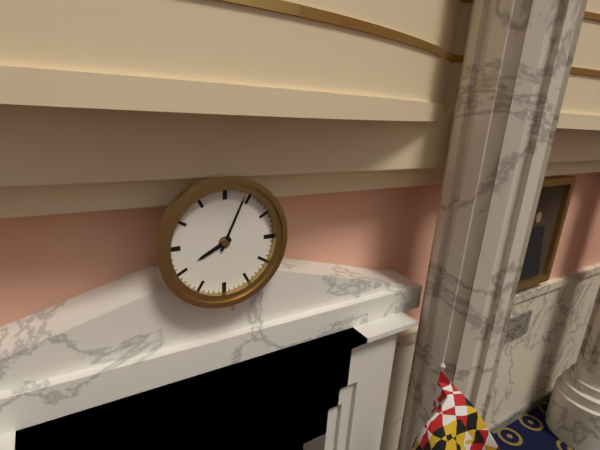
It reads 8.04
